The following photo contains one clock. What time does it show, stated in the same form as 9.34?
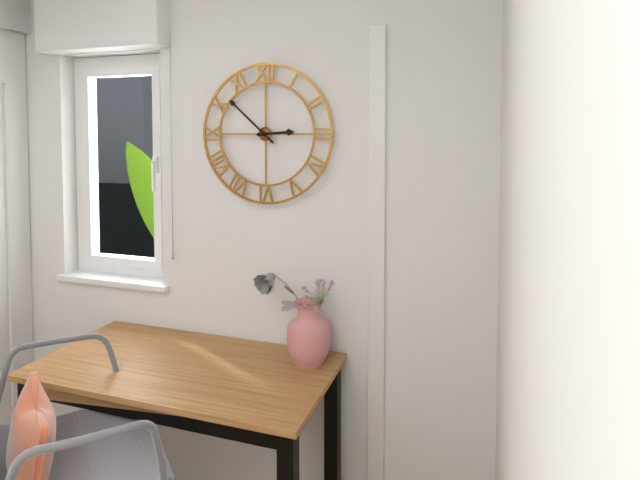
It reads 2.52
